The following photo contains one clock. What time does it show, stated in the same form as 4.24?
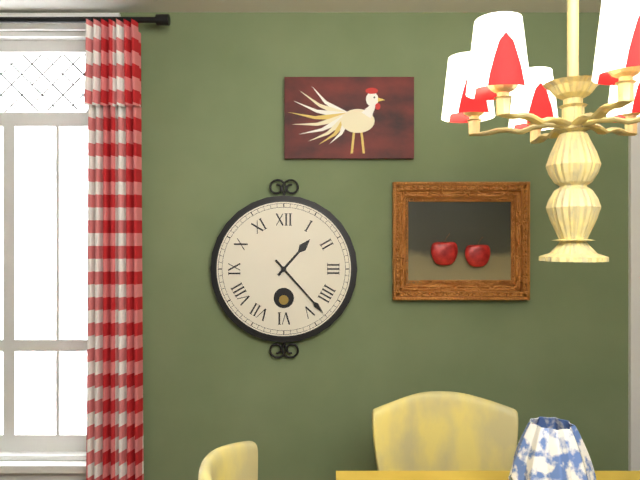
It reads 1.23
